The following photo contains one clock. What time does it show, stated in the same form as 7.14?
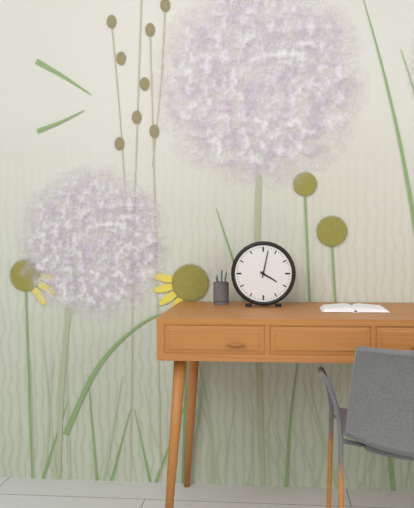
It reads 4.02
